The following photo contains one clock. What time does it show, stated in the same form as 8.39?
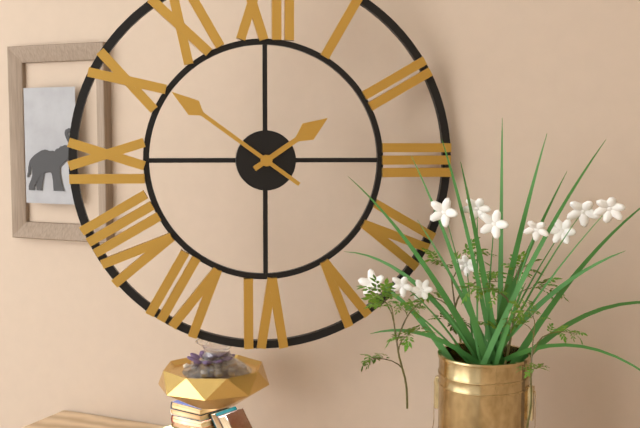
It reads 1.51
